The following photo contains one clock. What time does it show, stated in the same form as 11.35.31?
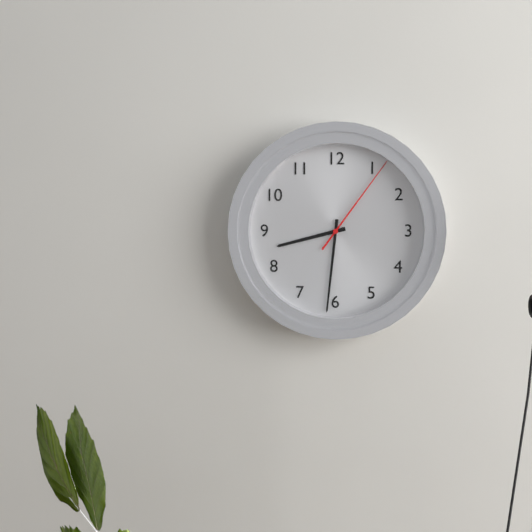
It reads 8.31.06
